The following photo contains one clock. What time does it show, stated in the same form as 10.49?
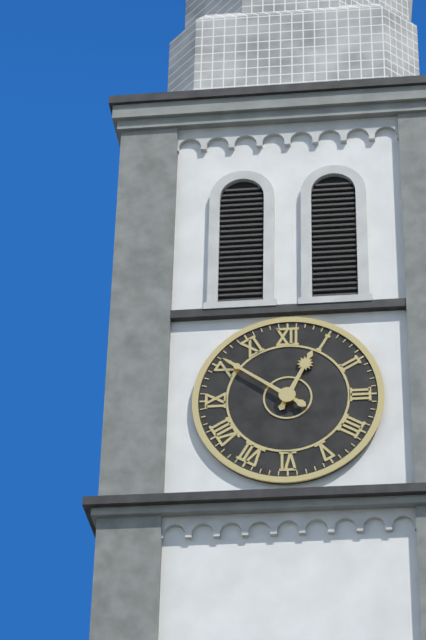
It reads 12.51
